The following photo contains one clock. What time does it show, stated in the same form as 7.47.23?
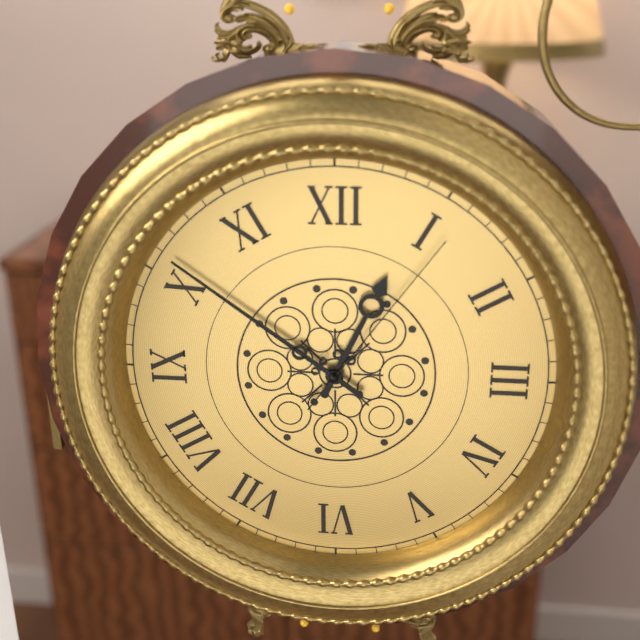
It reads 12.51.06
